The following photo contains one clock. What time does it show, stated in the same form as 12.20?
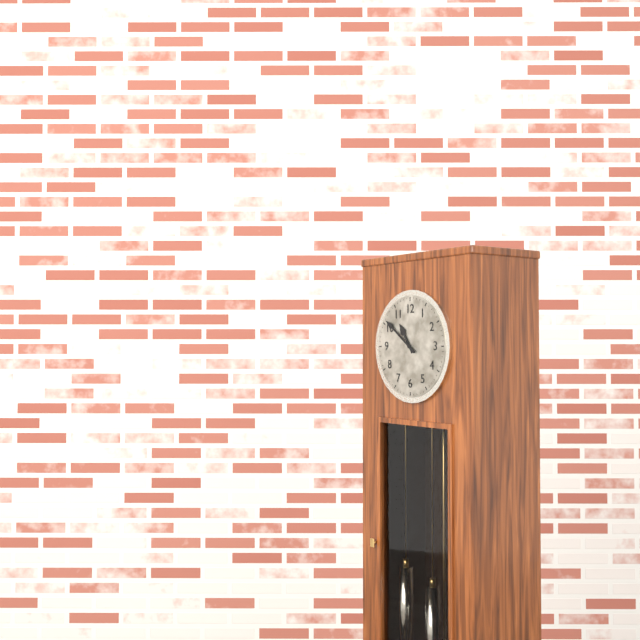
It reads 10.51
